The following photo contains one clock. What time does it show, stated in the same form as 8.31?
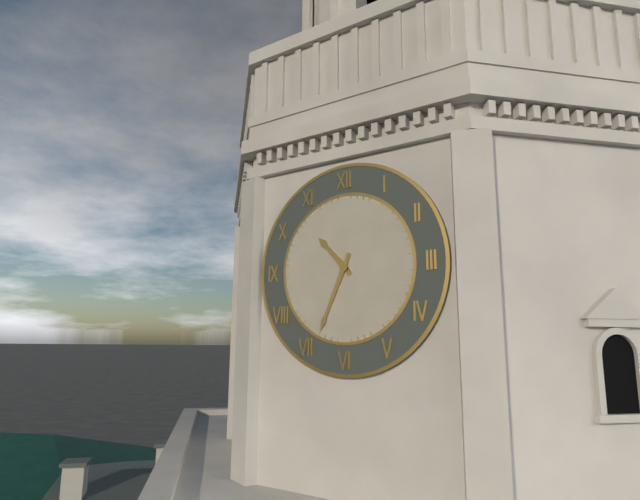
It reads 10.34
